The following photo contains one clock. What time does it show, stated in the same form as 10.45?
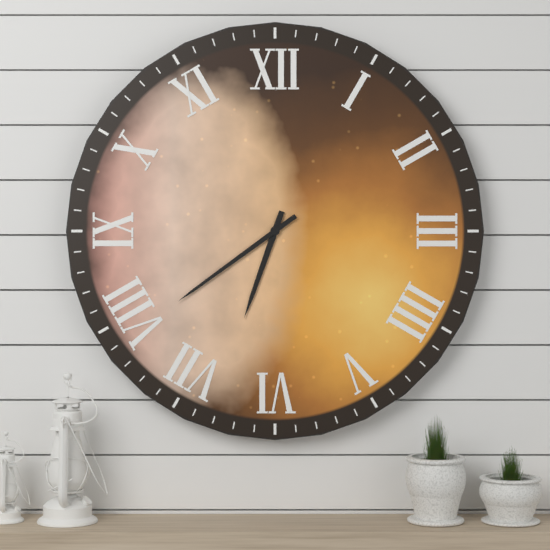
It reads 6.39
